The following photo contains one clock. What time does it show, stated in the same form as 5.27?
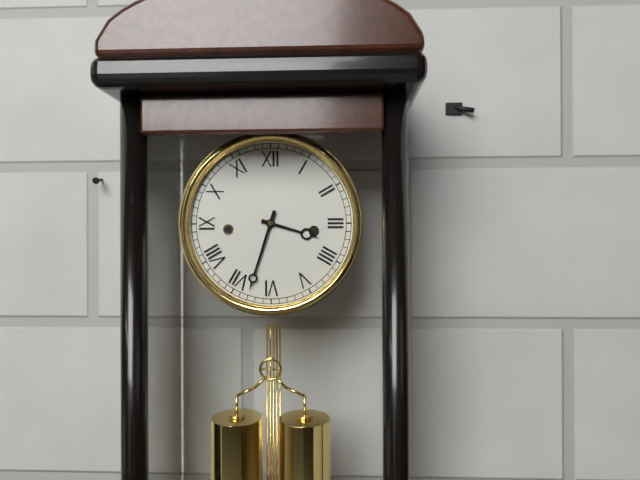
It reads 3.33
